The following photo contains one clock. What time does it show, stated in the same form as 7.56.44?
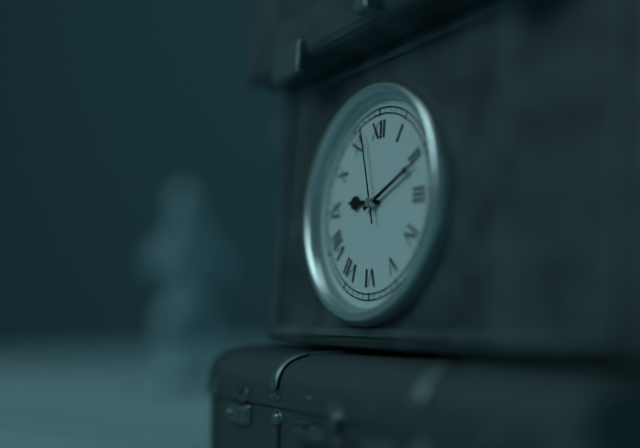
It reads 9.11.57
